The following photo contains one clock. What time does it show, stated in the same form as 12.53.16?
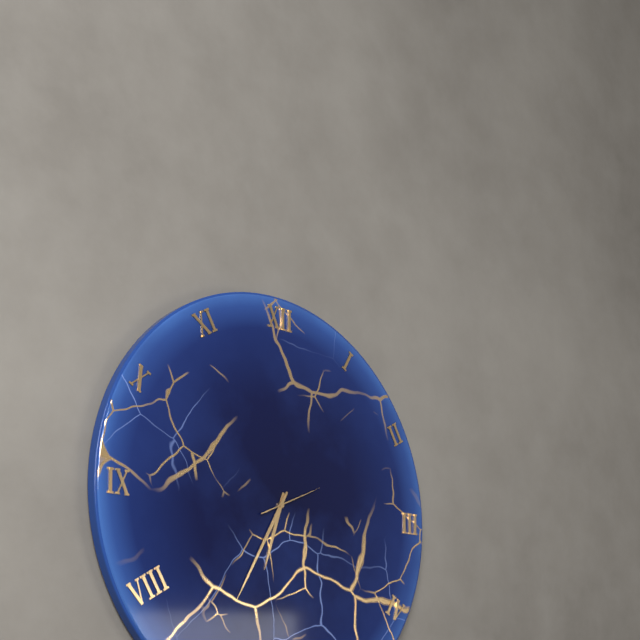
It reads 6.35.11
